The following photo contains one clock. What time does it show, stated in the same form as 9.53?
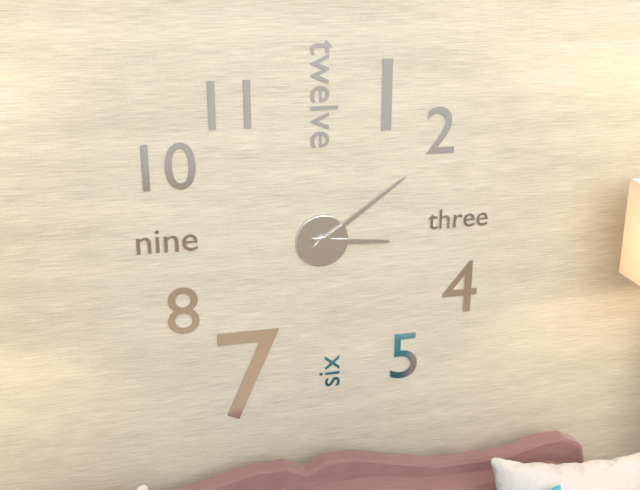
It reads 3.09
